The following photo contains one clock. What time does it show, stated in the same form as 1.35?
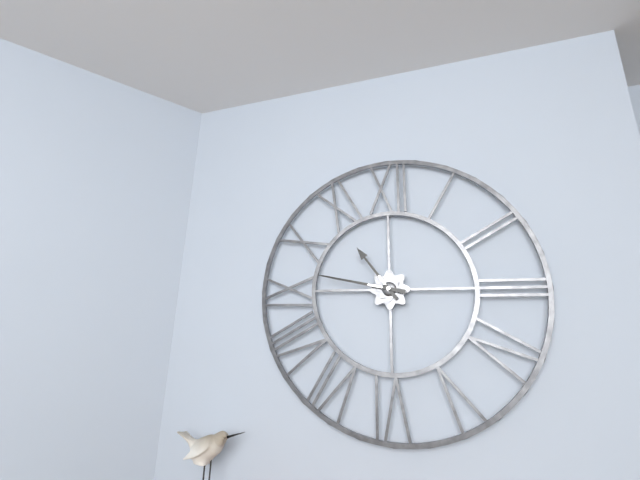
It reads 10.47
